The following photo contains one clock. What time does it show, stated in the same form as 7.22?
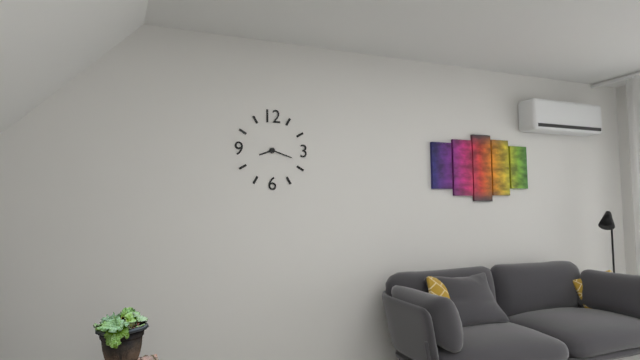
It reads 8.18
